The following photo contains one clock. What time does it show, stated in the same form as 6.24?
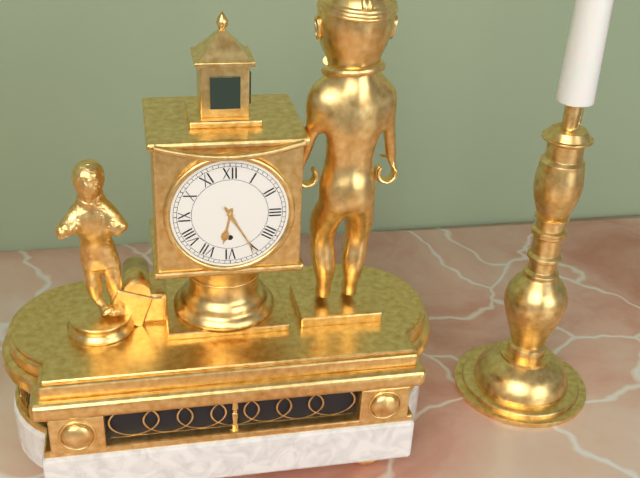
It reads 6.25
